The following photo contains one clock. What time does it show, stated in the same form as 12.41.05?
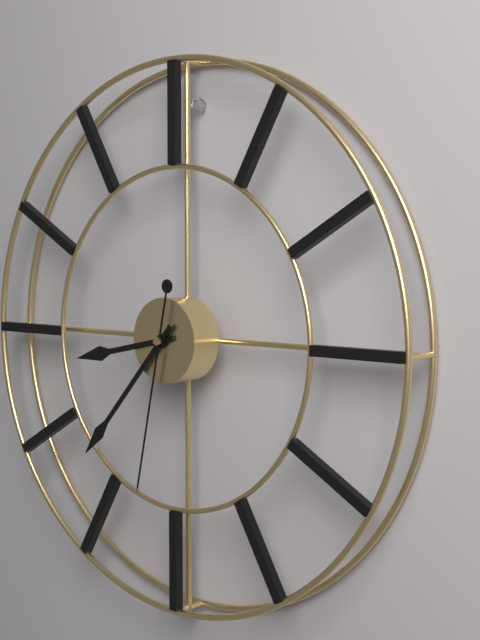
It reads 8.37.32
